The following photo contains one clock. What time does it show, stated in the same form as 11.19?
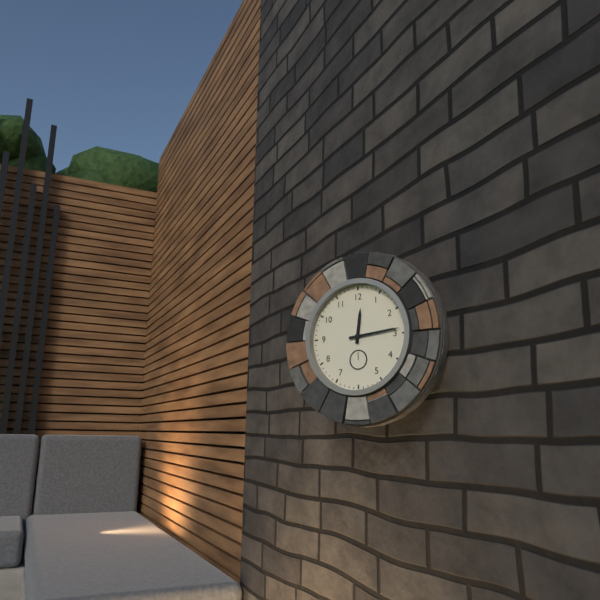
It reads 12.14
